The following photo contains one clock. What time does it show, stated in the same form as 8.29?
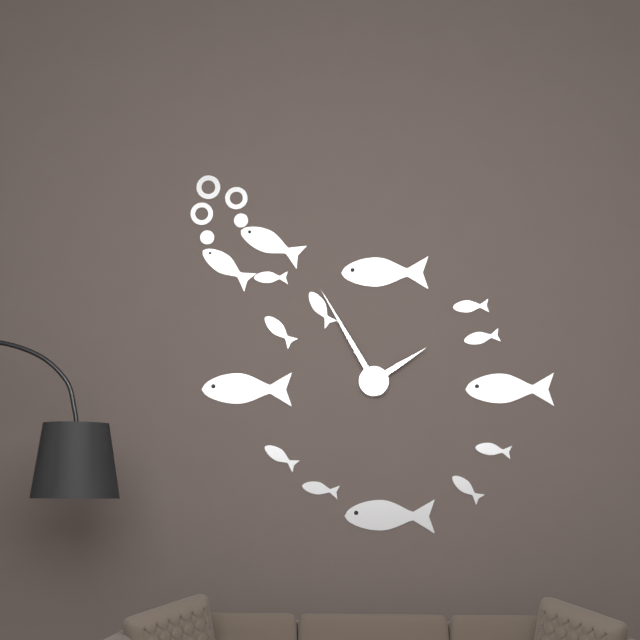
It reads 1.55
